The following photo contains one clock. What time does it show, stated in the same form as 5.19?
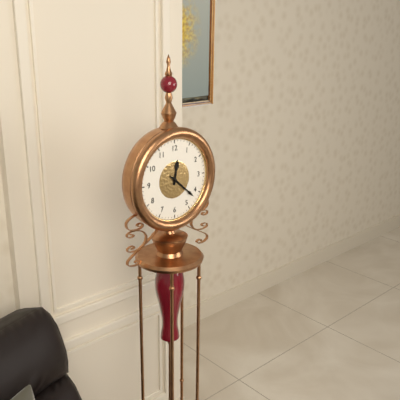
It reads 12.22
